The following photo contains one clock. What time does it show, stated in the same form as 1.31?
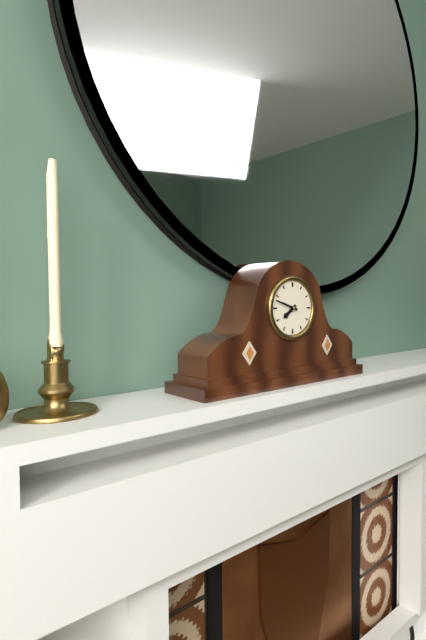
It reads 7.48
